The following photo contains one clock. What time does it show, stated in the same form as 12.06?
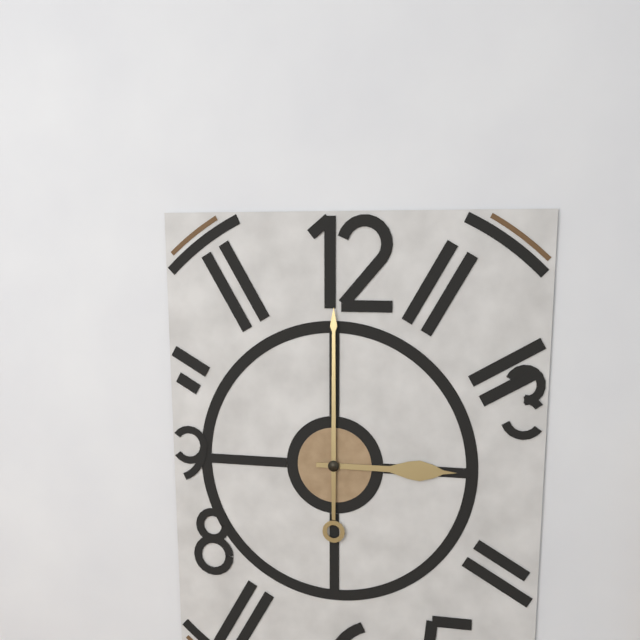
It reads 3.00
